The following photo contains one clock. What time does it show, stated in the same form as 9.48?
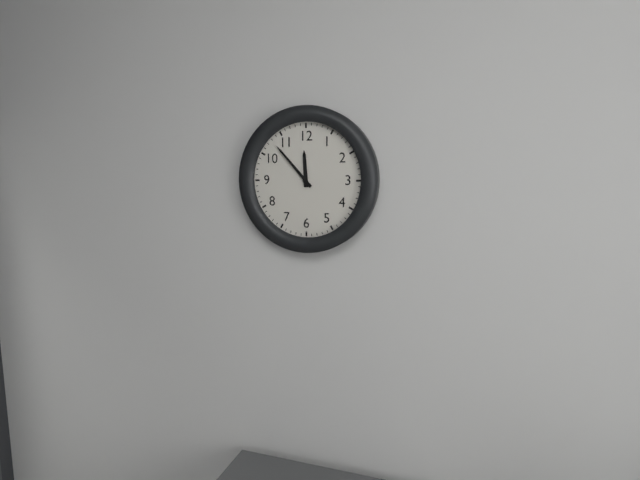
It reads 11.53
